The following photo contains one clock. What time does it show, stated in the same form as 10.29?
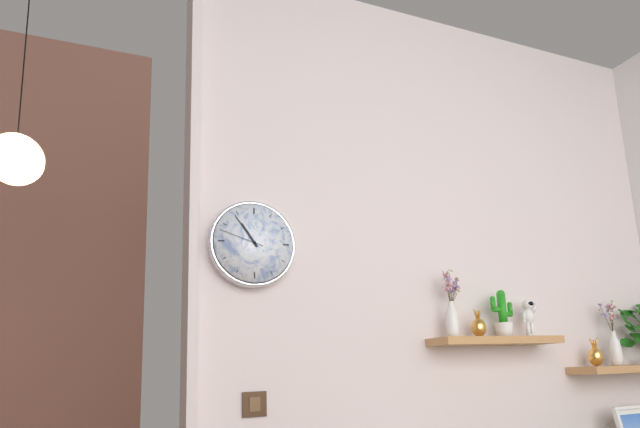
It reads 10.54
